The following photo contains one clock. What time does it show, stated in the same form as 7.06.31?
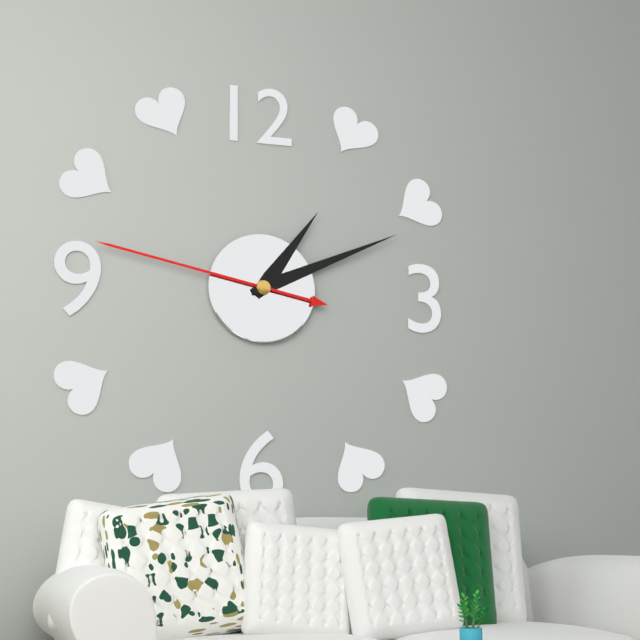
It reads 1.11.47
